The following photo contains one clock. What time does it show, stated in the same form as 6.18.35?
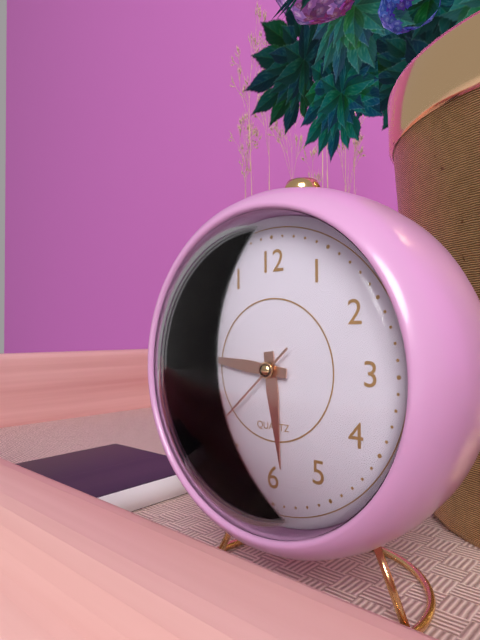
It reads 5.46.38
